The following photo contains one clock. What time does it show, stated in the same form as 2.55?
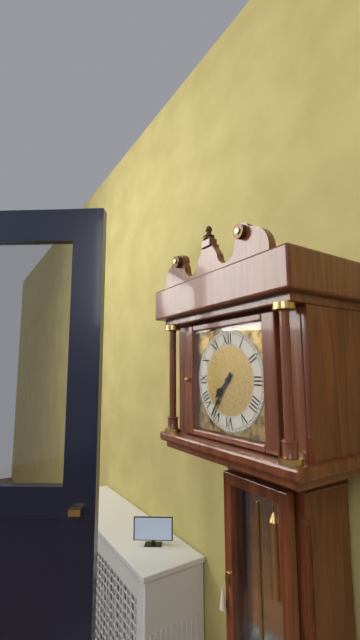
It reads 7.36
